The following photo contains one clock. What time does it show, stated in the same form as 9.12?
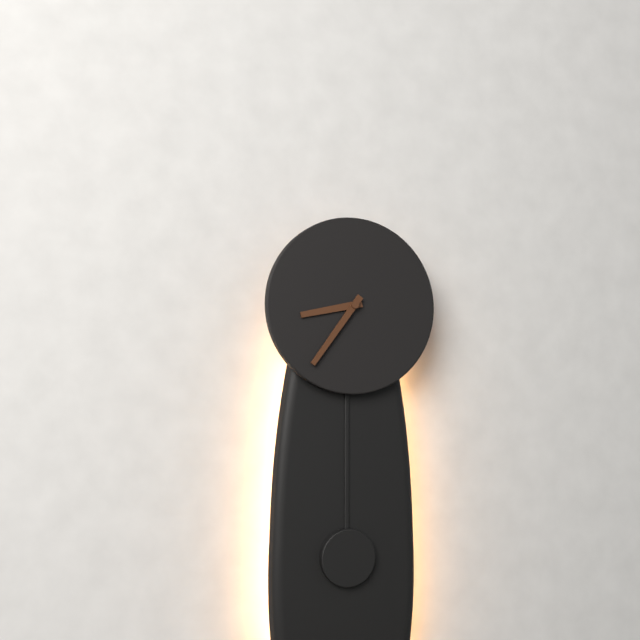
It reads 8.36
